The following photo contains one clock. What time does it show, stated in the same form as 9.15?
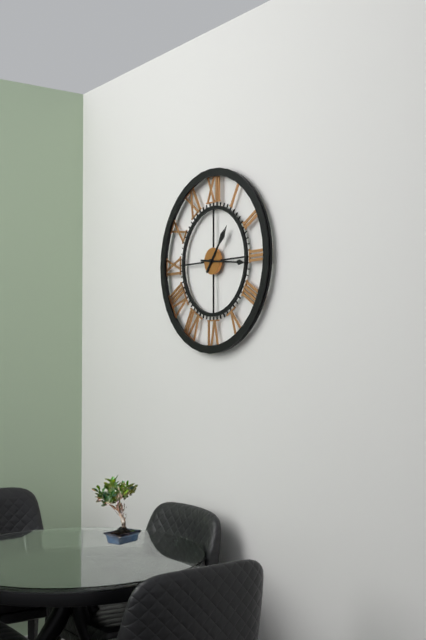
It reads 1.16
